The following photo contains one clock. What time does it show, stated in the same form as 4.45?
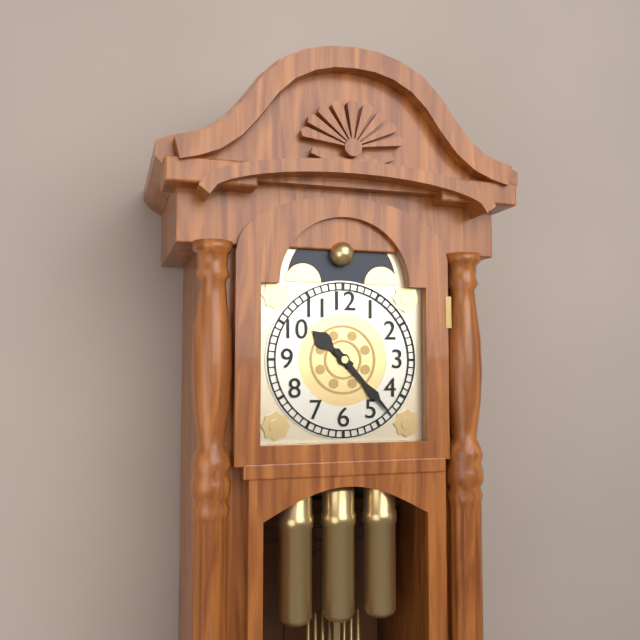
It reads 10.23
